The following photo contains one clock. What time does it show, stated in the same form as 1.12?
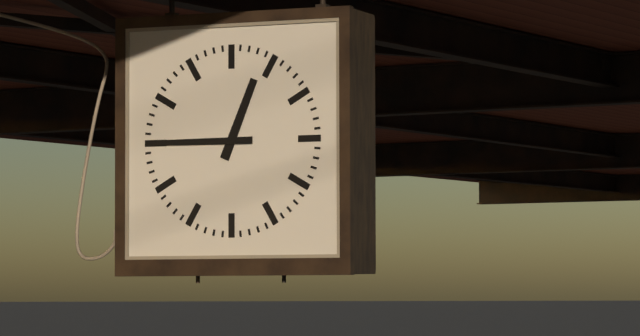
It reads 12.45
